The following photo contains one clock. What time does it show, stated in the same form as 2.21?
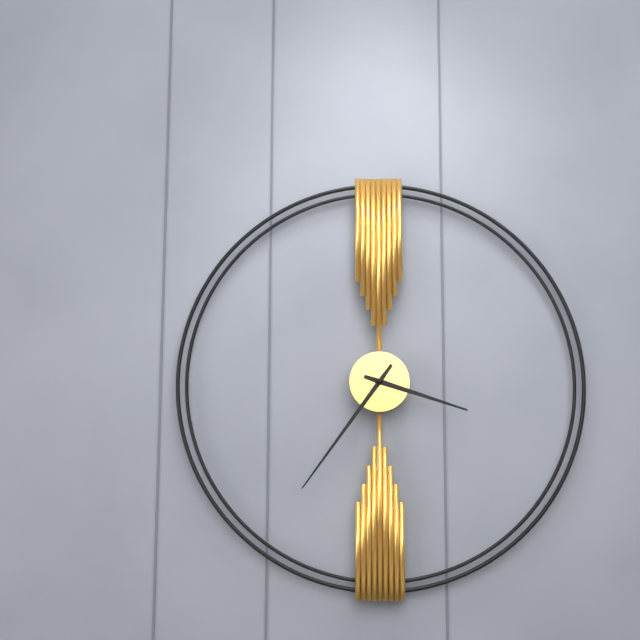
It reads 3.36
